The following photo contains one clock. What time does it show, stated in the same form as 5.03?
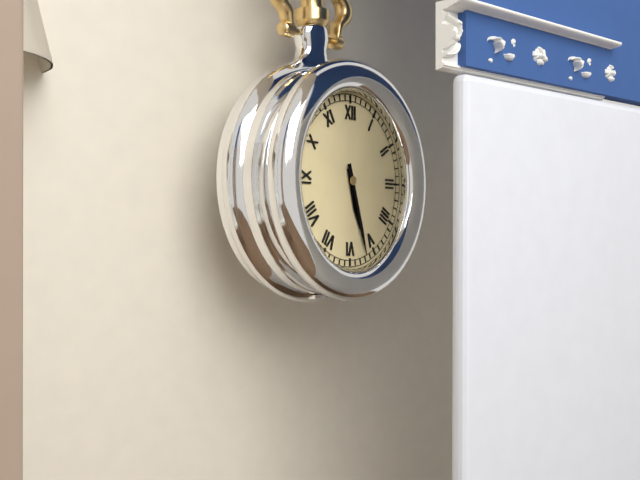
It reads 5.27
